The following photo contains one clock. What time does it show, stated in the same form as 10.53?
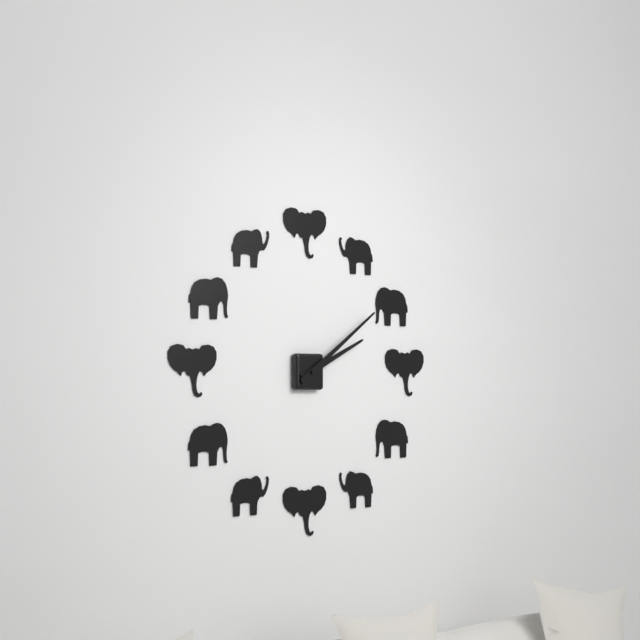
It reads 2.09
